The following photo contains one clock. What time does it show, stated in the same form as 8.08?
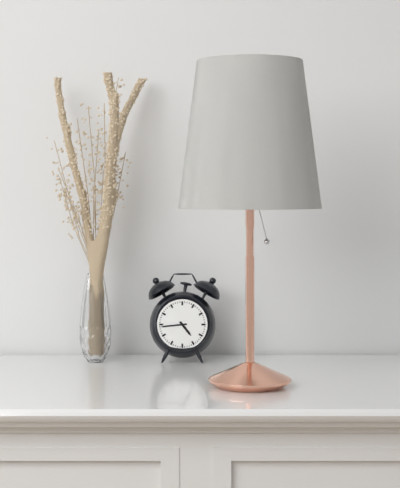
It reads 4.44
